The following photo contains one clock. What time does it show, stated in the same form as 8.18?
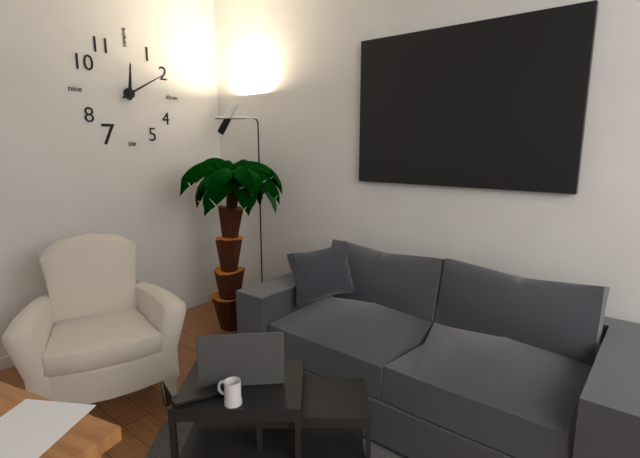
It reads 12.10
